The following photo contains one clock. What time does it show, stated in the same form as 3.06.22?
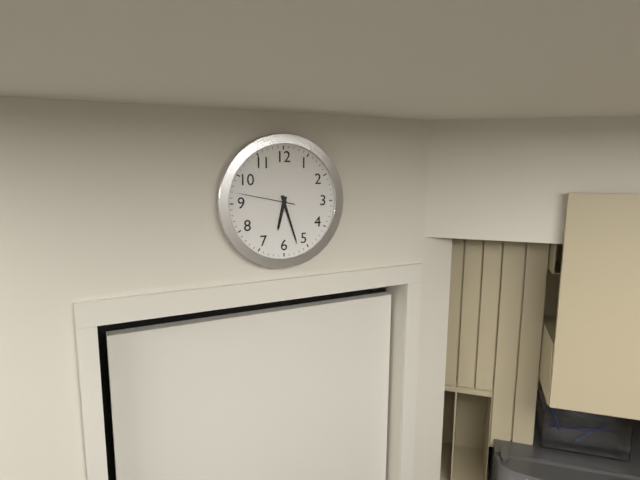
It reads 6.27.47
